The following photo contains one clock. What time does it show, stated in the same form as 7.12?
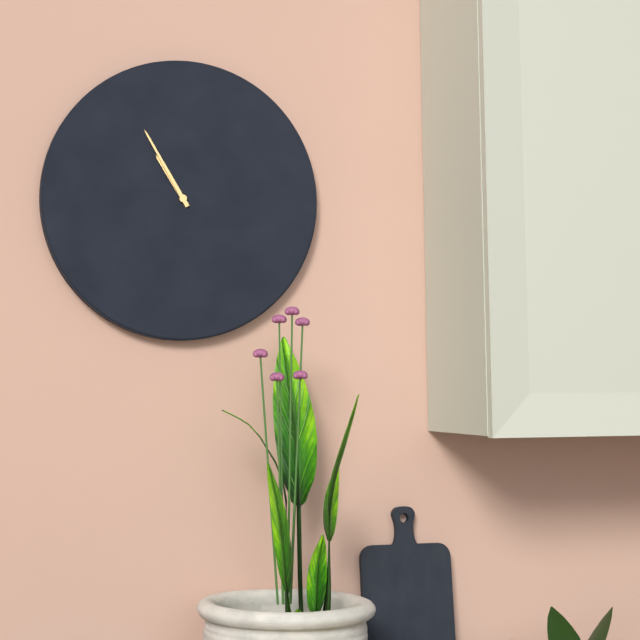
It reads 10.55
